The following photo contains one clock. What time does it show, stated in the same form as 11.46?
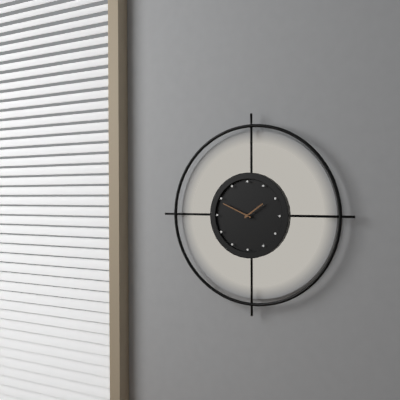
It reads 1.49
